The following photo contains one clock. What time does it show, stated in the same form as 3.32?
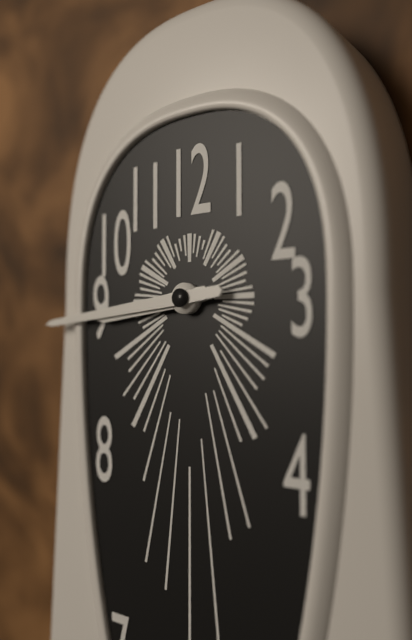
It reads 8.44
